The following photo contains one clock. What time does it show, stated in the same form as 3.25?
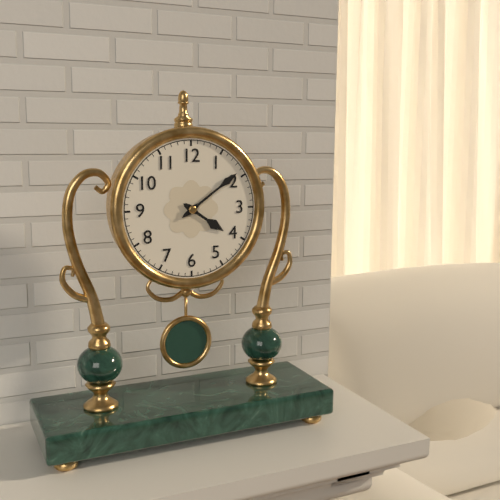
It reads 4.09
